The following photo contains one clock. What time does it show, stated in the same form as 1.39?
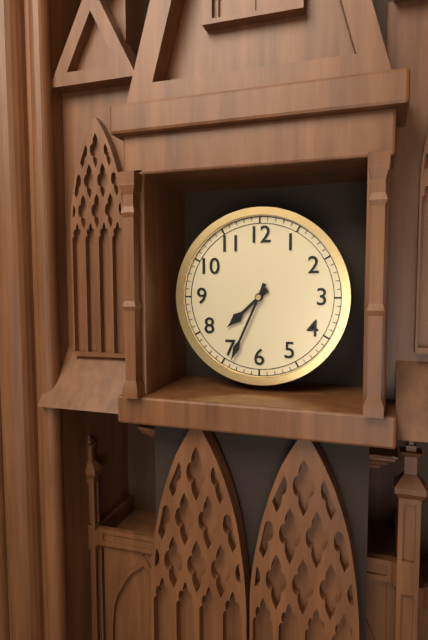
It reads 7.34
